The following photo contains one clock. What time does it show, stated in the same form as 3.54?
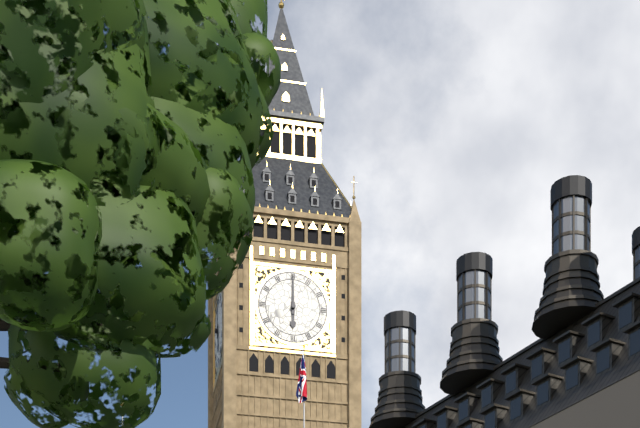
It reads 6.00
